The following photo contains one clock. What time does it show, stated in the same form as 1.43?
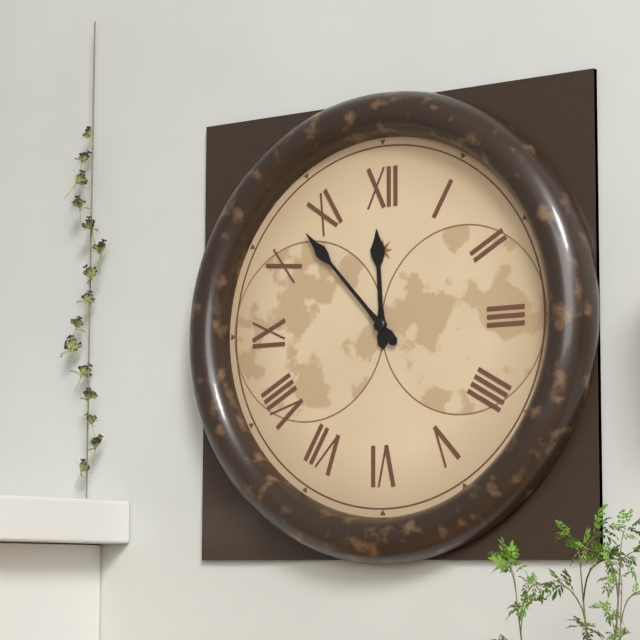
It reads 11.53
